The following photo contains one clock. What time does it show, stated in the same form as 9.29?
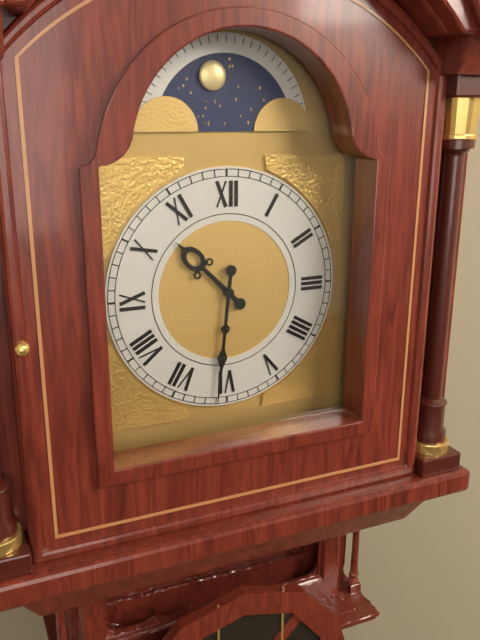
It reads 10.31
